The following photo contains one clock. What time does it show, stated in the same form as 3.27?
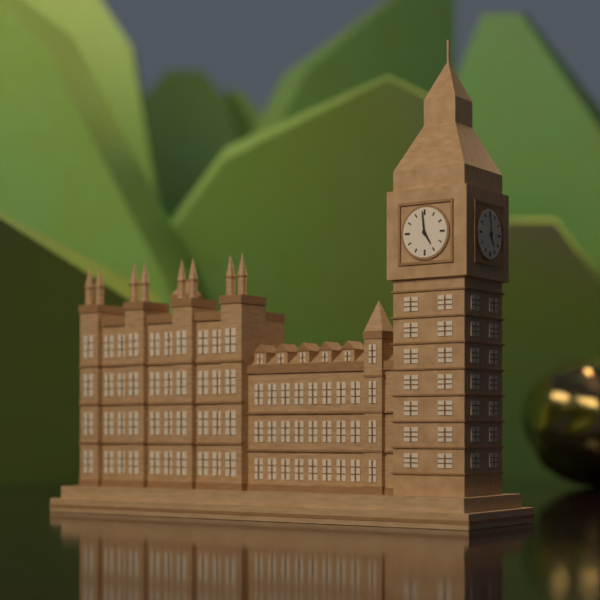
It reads 4.59
